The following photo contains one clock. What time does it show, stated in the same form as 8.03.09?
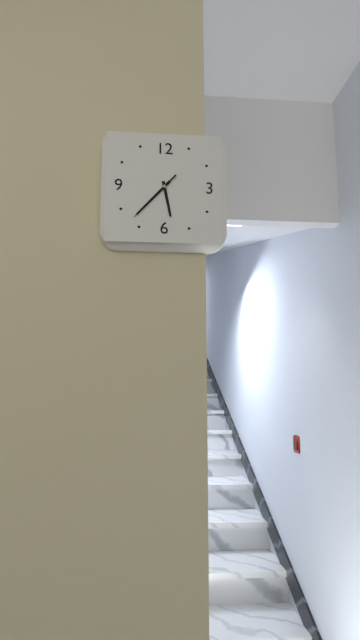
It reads 5.37.37
